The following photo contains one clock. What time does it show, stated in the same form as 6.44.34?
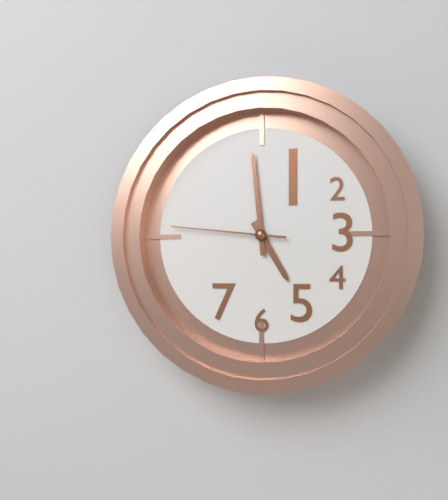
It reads 4.59.46
